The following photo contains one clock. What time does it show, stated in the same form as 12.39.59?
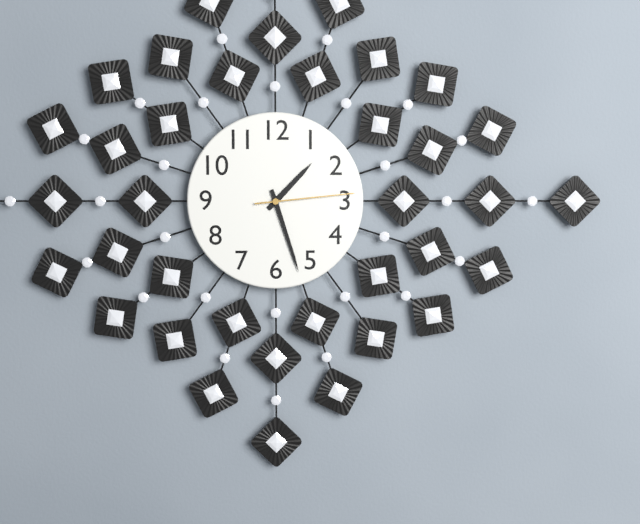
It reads 1.27.14
